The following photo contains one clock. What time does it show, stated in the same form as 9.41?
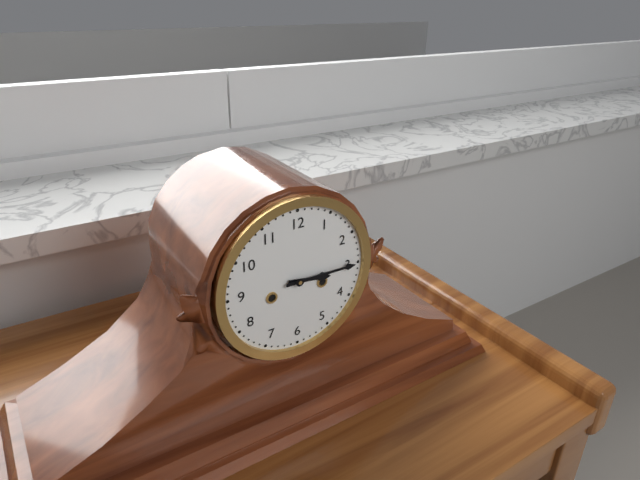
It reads 3.15
